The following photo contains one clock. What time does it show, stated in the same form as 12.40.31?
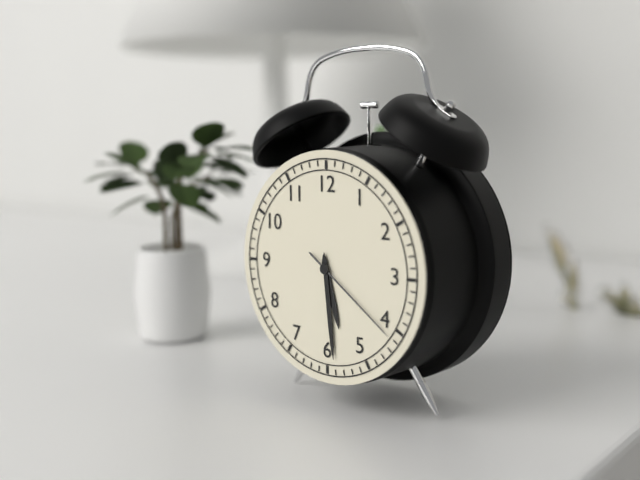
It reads 5.29.21
